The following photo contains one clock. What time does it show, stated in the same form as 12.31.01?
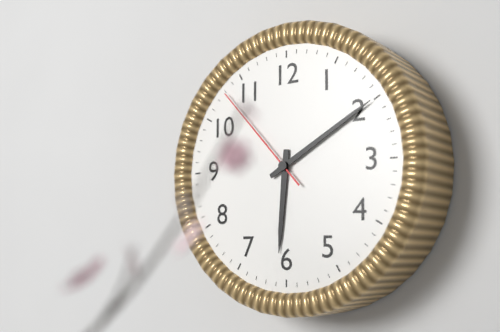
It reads 6.10.53
